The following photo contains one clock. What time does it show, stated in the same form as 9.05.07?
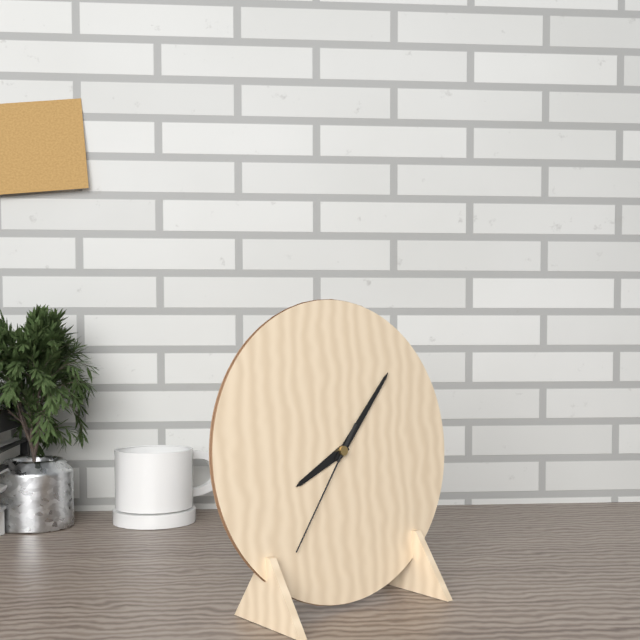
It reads 8.07.36
